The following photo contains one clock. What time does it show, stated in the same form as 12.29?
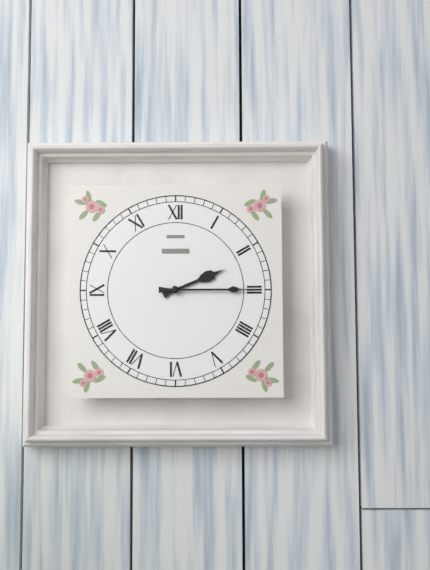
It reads 2.15
